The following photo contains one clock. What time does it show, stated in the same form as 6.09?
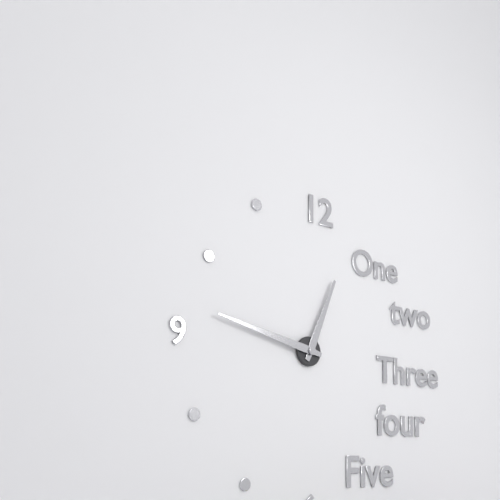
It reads 12.47
